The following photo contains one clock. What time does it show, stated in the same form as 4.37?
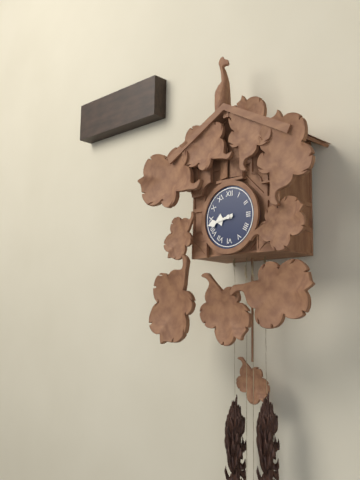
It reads 8.43
